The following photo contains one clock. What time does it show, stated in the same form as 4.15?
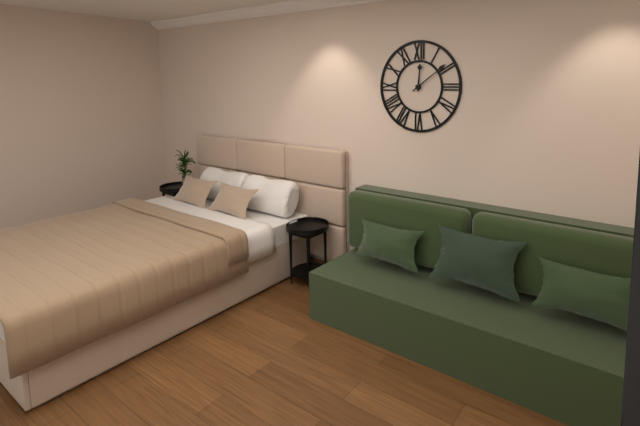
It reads 12.09
